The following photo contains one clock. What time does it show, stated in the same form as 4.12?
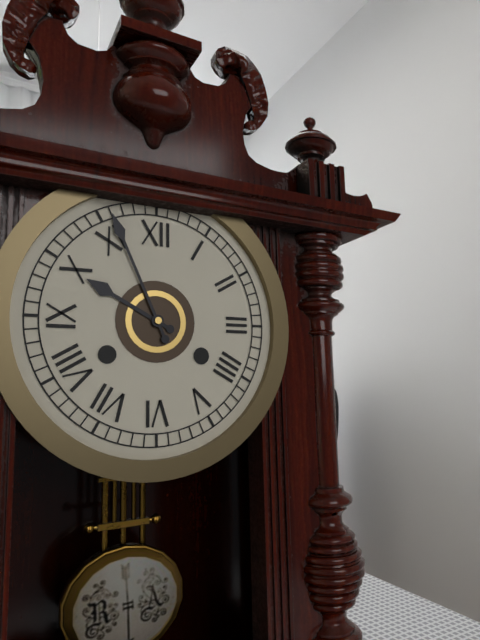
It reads 9.56
